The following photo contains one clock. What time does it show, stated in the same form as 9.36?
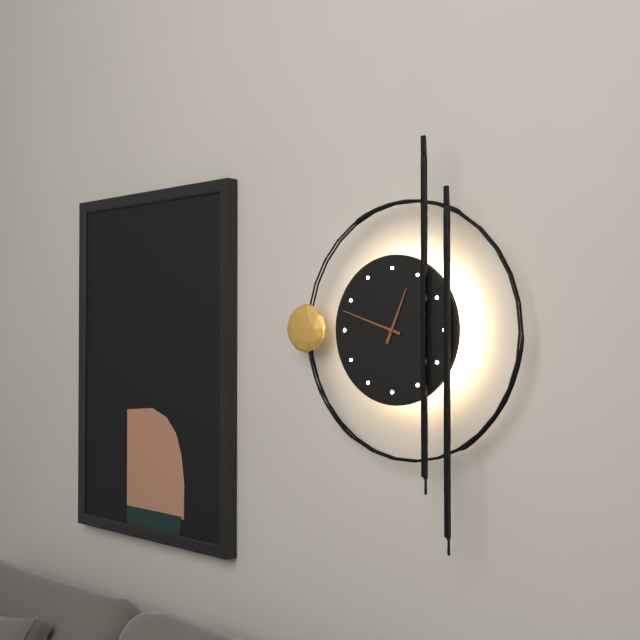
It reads 12.48
